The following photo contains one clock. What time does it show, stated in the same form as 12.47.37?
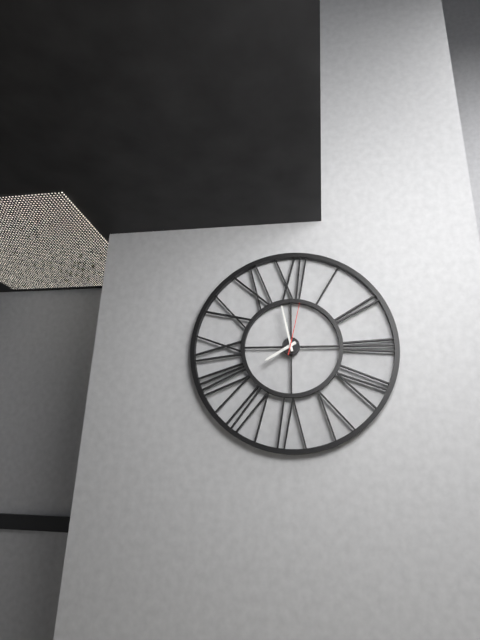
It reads 7.58.02
